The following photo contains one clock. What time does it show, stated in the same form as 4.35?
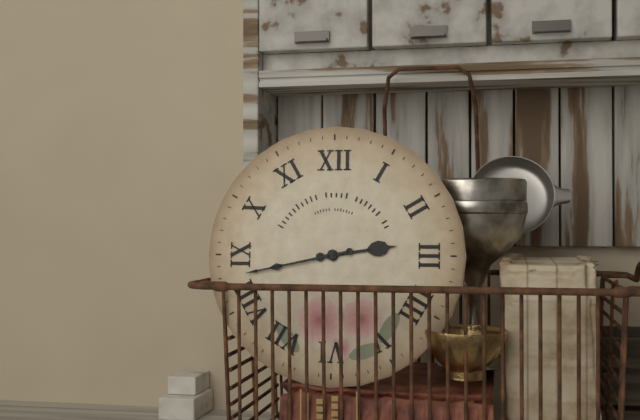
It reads 2.43
